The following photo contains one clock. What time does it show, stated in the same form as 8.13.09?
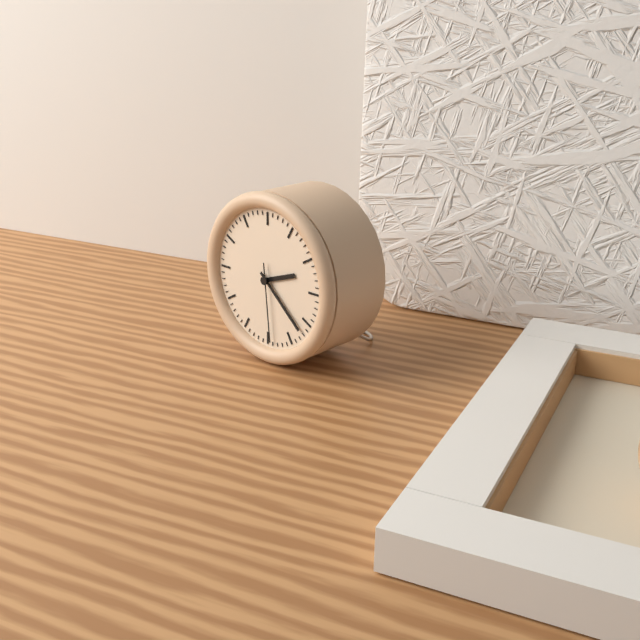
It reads 2.22.29
